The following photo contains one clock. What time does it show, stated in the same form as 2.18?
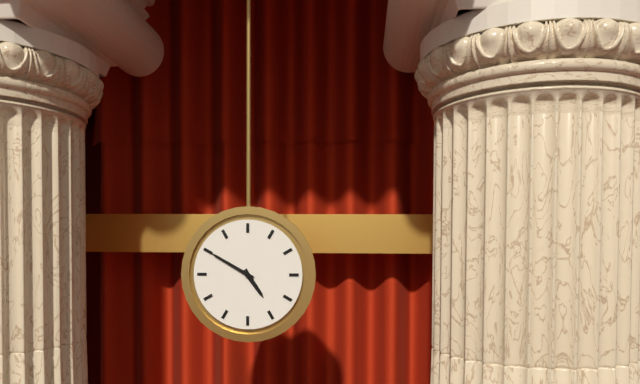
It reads 4.50
